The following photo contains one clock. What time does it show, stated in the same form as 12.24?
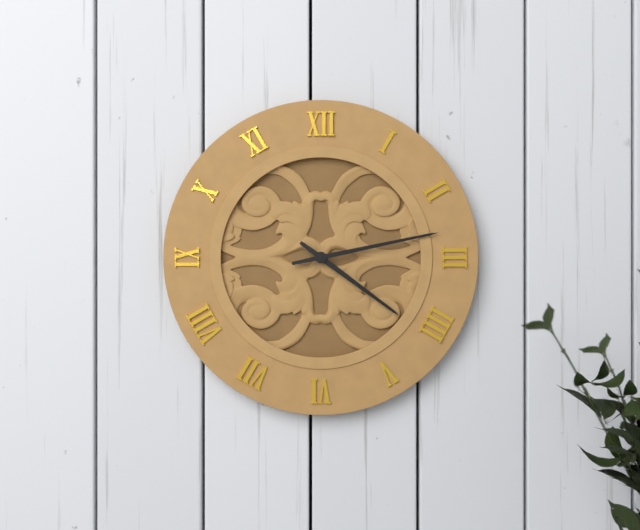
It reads 4.13
